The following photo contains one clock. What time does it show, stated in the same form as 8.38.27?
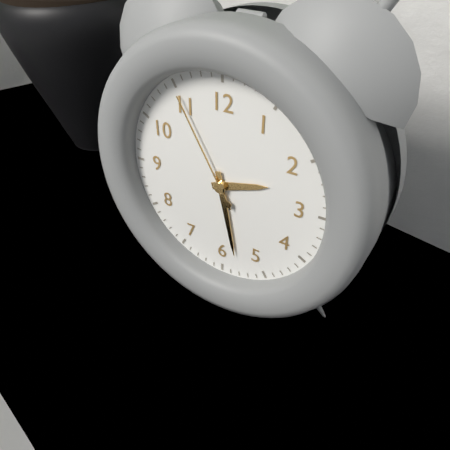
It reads 2.28.55
